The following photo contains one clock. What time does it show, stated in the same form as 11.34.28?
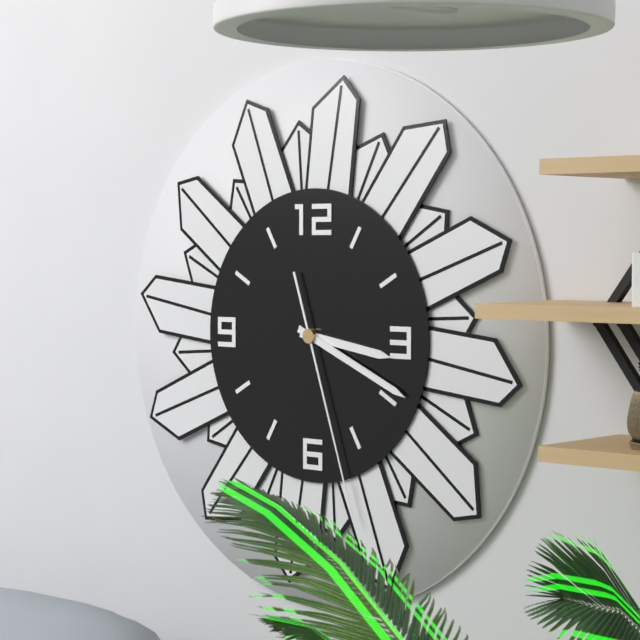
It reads 3.19.27
